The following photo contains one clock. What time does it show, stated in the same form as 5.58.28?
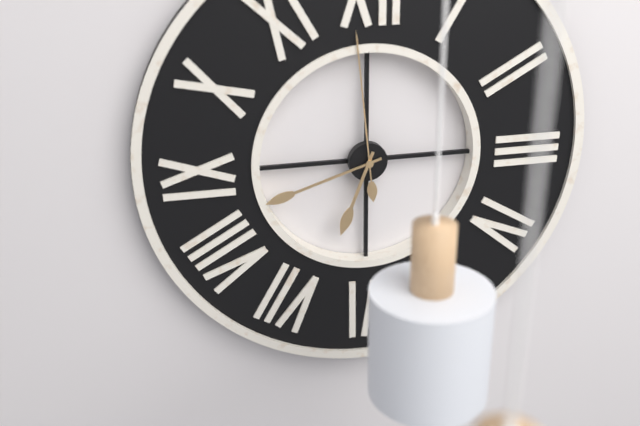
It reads 6.42.59
